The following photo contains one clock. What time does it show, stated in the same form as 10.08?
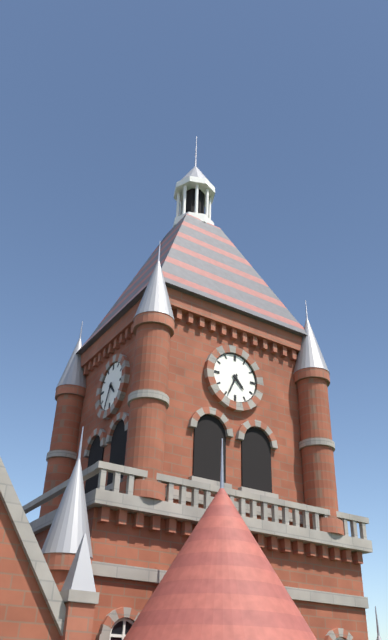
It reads 4.34
